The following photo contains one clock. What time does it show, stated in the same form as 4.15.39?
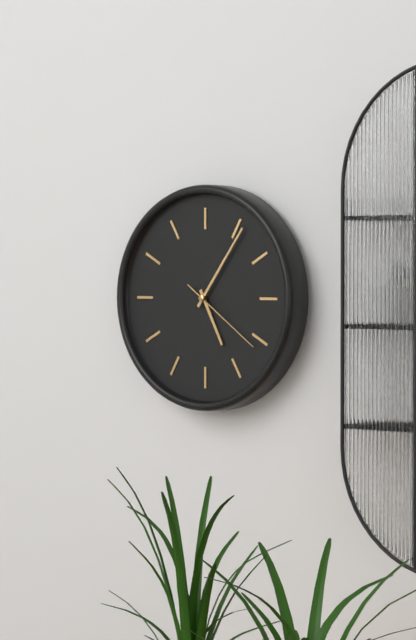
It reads 5.06.21
